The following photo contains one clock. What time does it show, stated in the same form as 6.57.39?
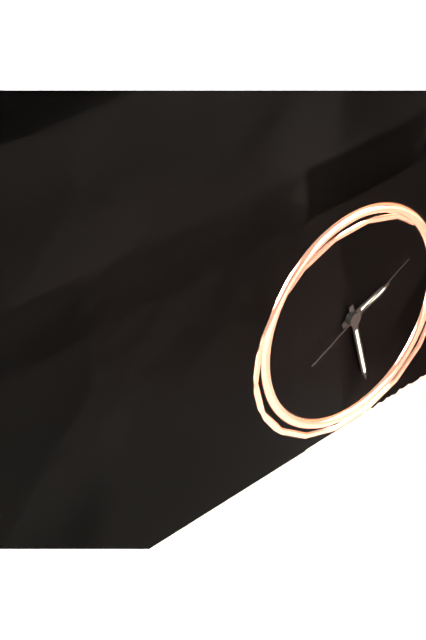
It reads 2.28.11
